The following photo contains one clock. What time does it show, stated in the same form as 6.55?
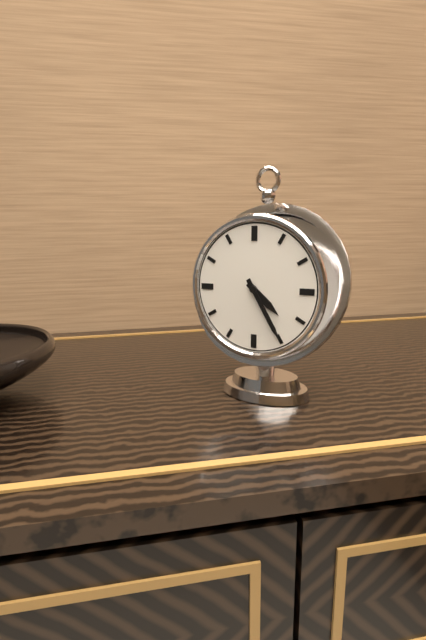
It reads 4.25
